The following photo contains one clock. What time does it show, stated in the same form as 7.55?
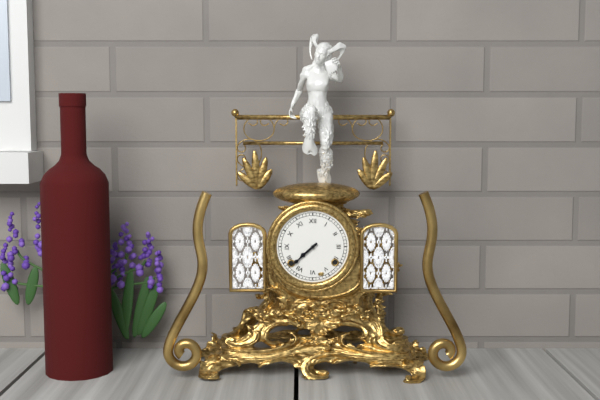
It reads 7.38
